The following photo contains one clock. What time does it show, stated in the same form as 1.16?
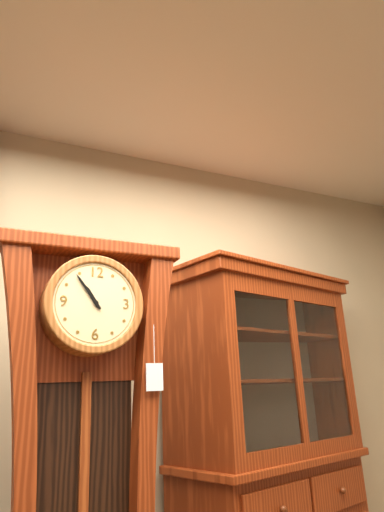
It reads 10.54
